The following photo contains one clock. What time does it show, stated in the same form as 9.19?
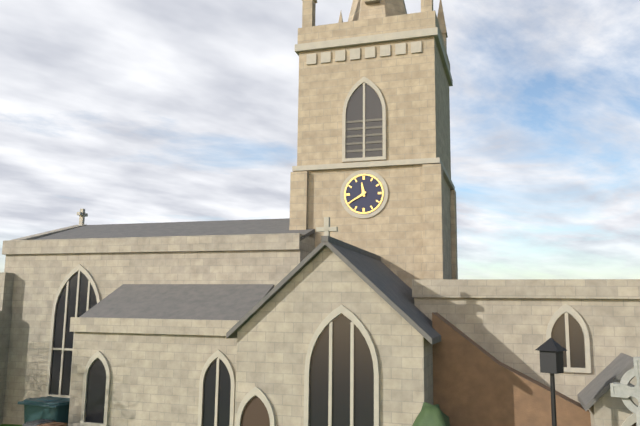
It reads 11.40
